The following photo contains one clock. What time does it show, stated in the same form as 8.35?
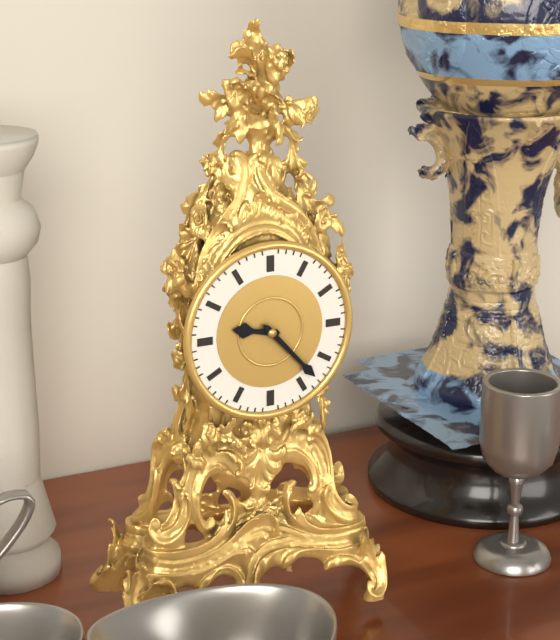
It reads 9.23
